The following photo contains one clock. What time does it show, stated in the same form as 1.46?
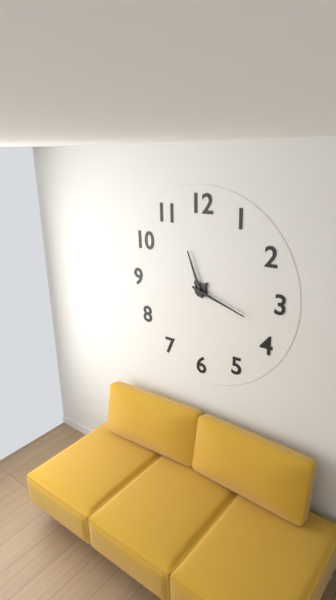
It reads 11.18
